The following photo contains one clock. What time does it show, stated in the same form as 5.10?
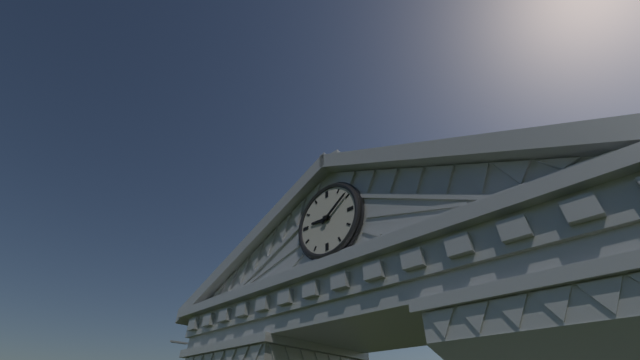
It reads 9.09
